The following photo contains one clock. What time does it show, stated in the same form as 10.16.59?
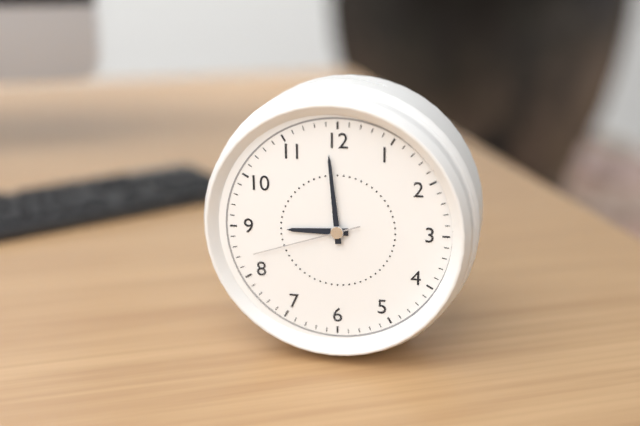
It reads 8.59.42
